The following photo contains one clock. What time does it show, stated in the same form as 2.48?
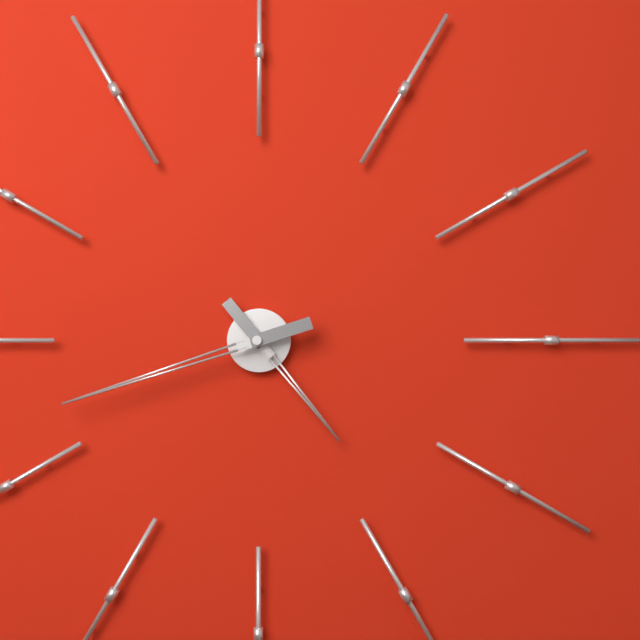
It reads 4.42
